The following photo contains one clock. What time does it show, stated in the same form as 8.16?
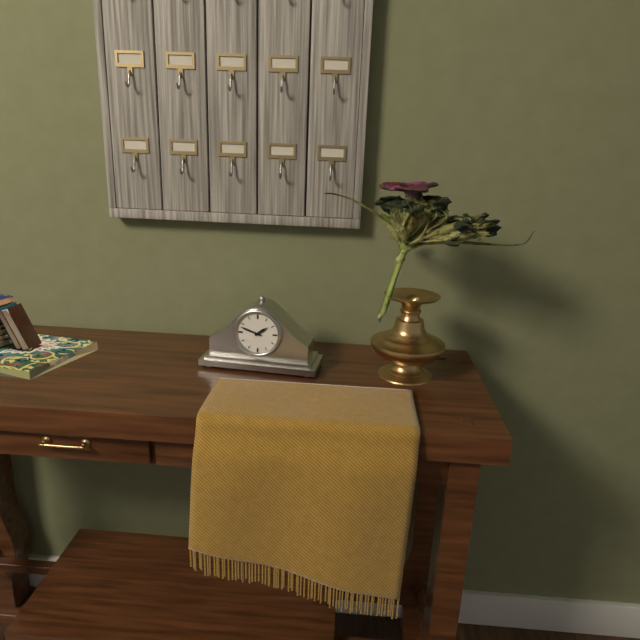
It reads 1.48
